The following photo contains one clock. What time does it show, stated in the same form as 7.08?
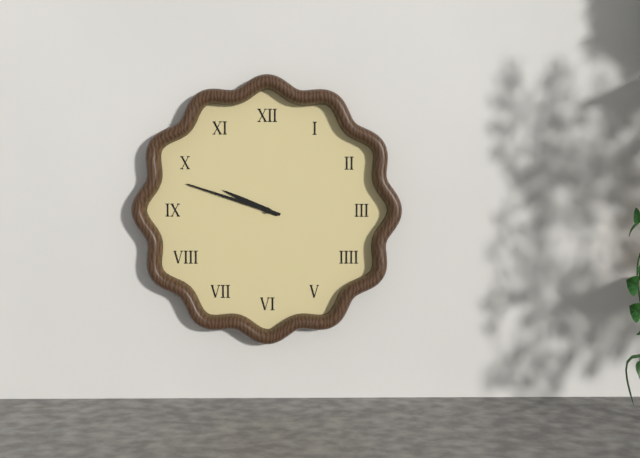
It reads 9.48
